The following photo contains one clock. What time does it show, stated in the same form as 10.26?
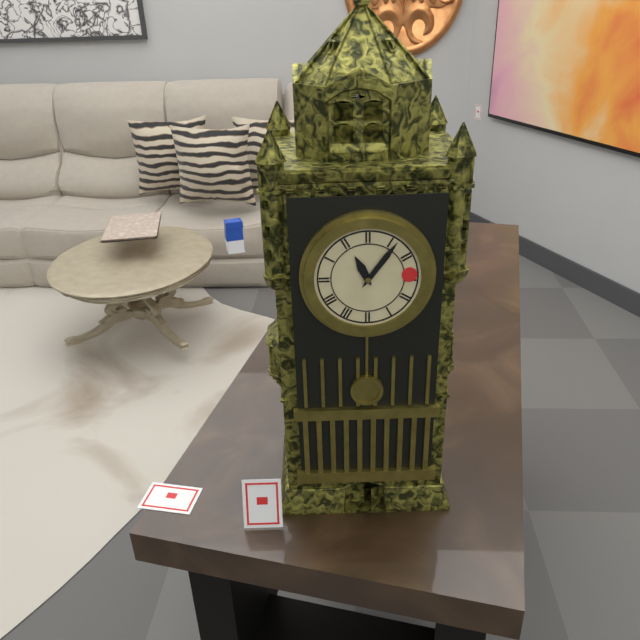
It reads 11.06
